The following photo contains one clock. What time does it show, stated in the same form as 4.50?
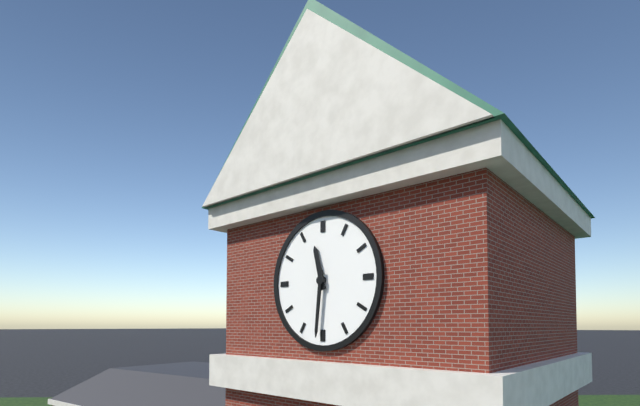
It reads 11.31
